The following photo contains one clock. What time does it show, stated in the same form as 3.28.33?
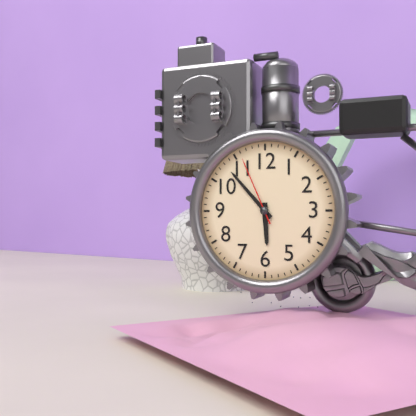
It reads 5.53.56
